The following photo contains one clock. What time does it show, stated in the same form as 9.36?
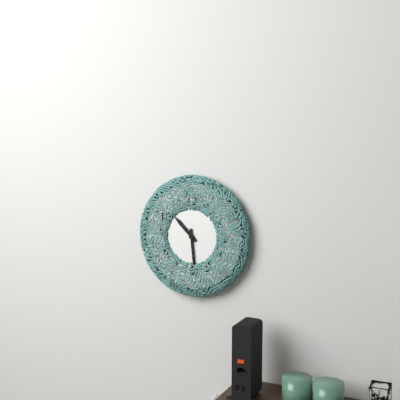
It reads 10.29
